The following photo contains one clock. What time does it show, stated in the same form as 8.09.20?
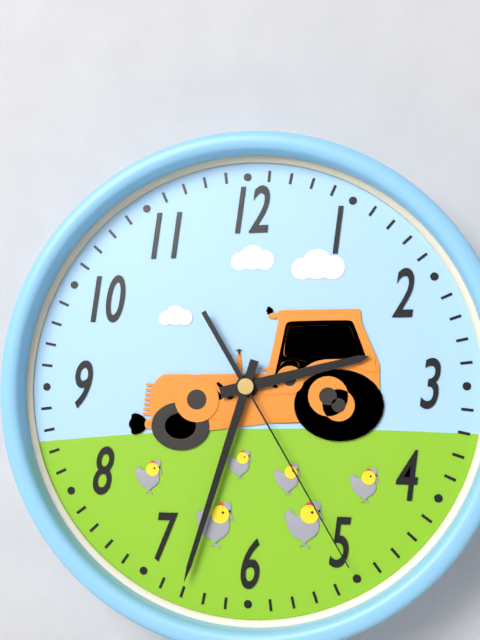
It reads 2.33.25
